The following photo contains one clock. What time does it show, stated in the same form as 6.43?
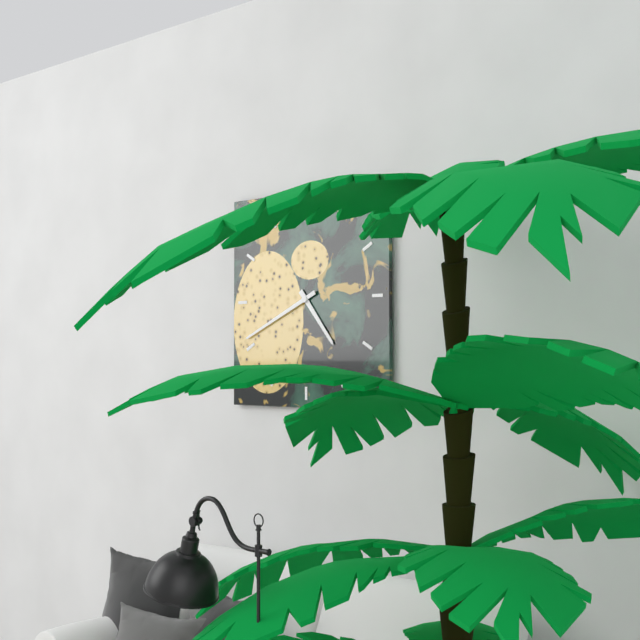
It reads 4.41
